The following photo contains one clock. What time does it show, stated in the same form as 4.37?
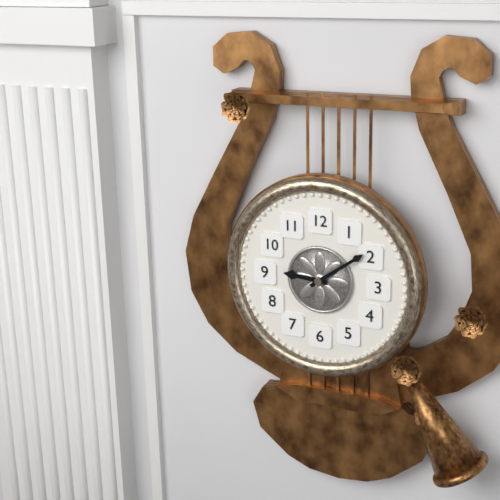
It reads 9.09
